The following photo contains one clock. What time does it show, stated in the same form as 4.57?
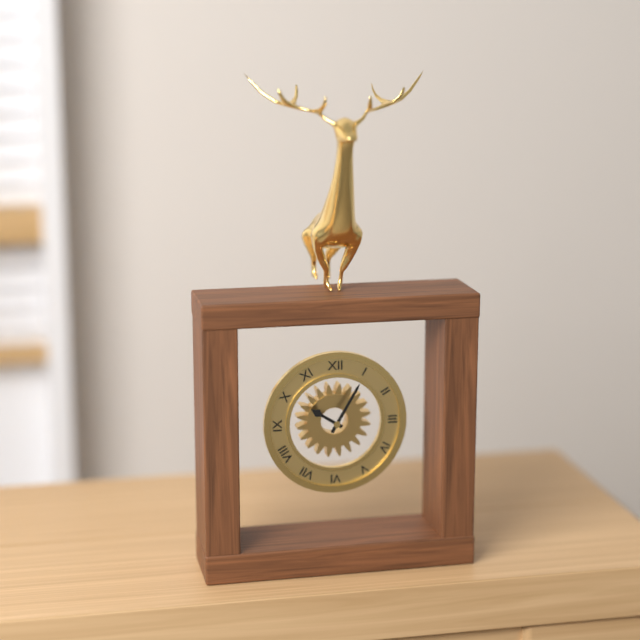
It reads 10.05
